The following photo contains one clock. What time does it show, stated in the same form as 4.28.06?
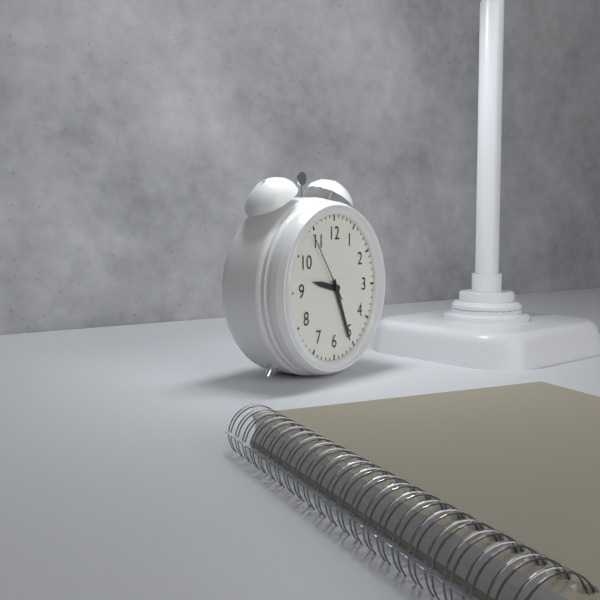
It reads 9.26.54
